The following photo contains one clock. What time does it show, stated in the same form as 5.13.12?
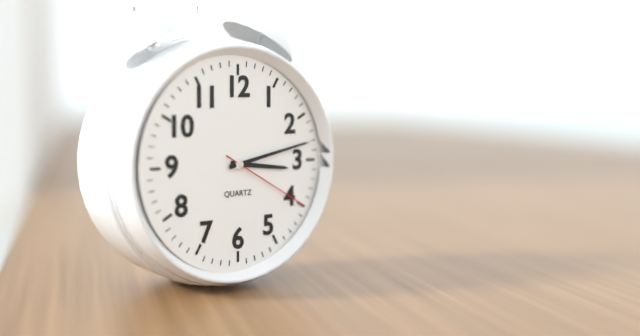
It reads 3.13.20
